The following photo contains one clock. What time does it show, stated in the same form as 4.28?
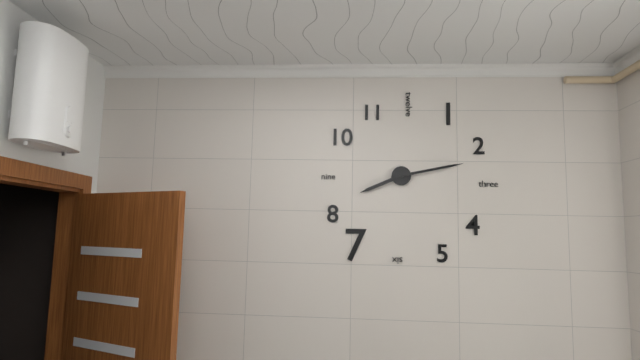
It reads 8.13
